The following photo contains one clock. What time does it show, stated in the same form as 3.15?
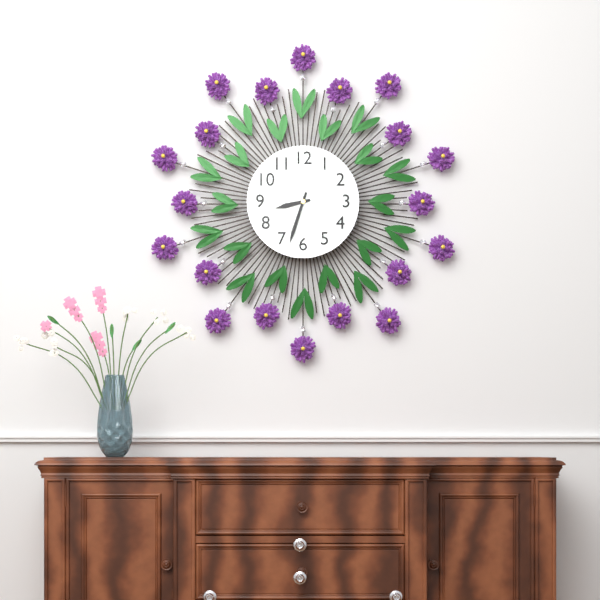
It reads 8.33
